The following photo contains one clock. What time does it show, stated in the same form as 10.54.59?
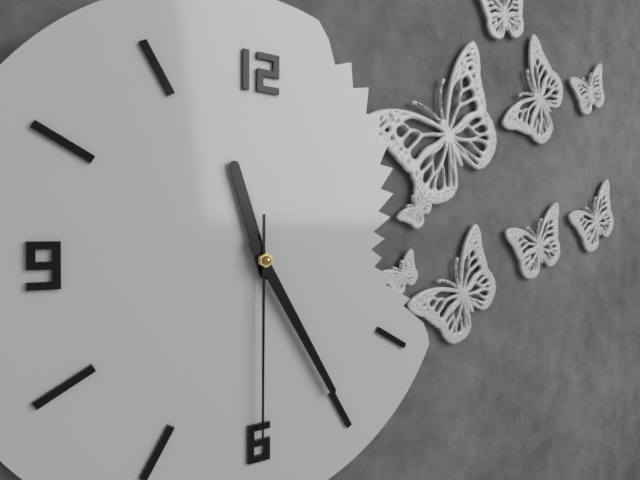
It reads 11.25.30
